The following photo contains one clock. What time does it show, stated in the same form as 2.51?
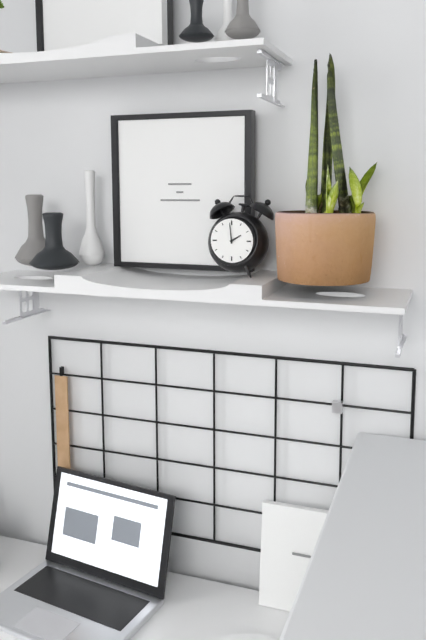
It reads 1.59
